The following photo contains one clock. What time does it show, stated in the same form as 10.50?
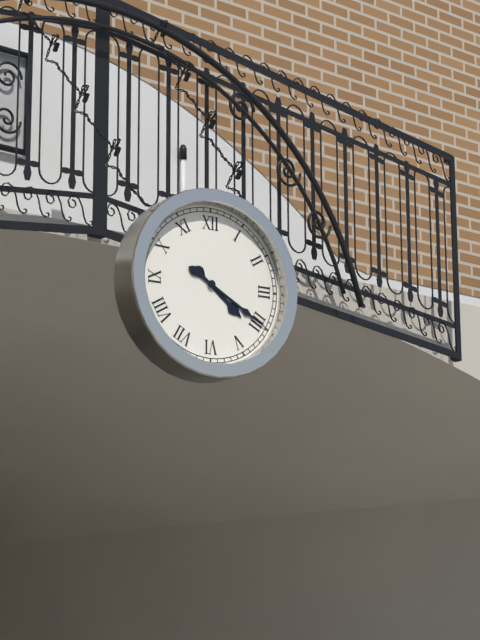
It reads 4.20
